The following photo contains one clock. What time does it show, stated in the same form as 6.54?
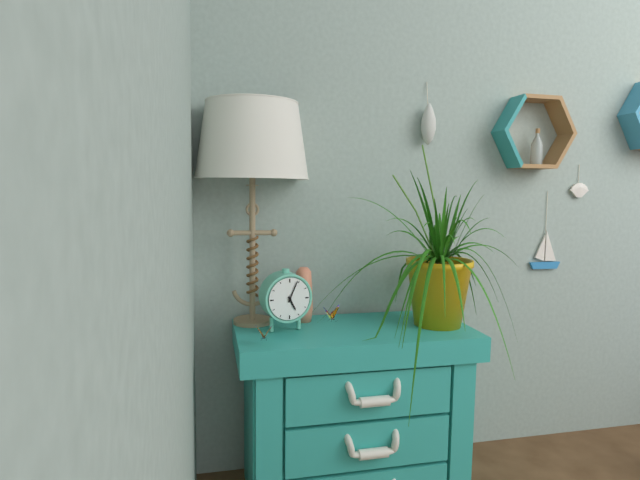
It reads 5.04
